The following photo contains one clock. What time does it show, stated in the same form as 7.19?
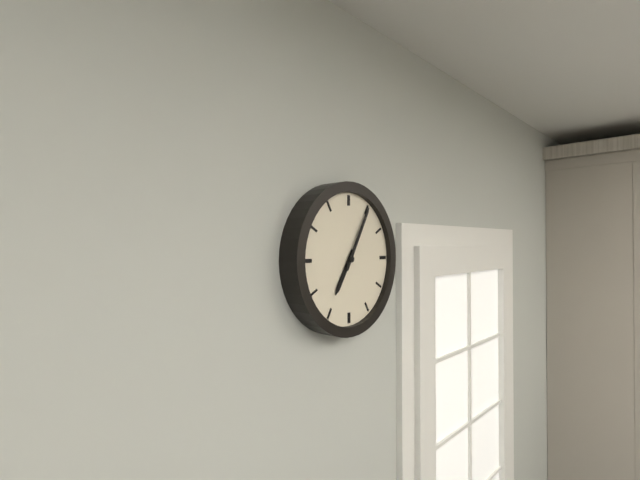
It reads 7.05
